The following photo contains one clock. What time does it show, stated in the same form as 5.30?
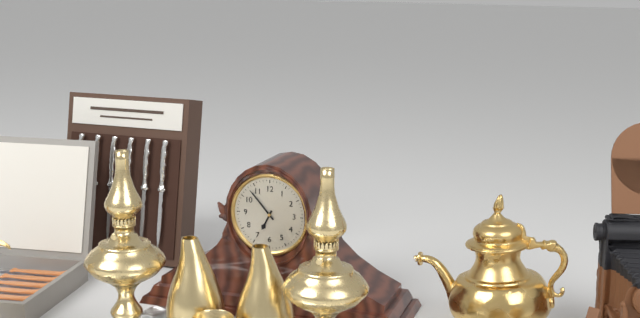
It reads 6.53
